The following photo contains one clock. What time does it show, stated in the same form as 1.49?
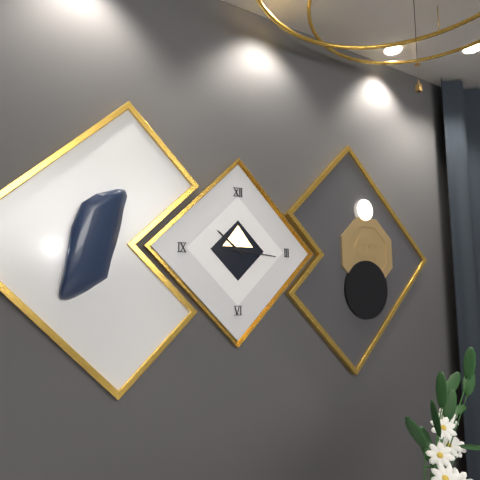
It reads 10.16
